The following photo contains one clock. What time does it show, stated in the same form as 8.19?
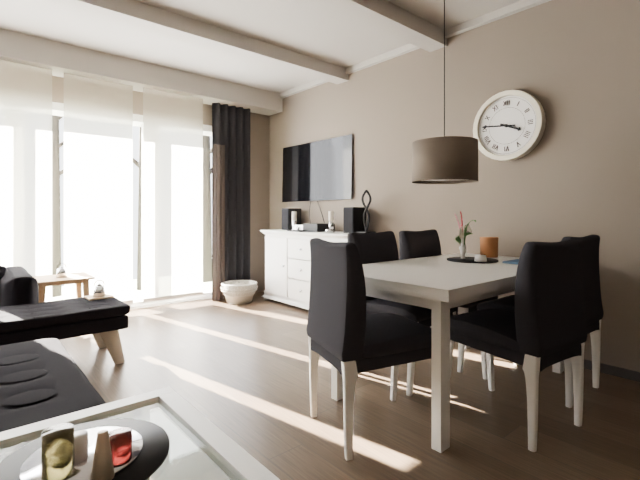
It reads 3.46
